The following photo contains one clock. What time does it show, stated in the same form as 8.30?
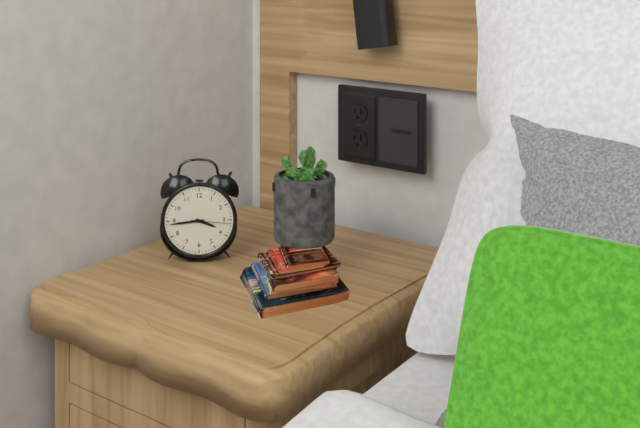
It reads 3.44
